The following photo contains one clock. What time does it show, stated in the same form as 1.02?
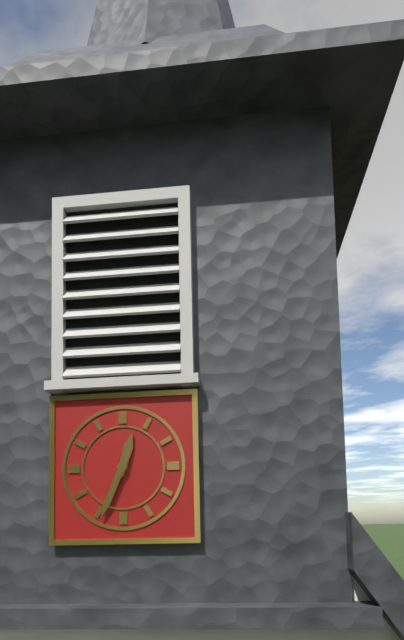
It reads 12.34
